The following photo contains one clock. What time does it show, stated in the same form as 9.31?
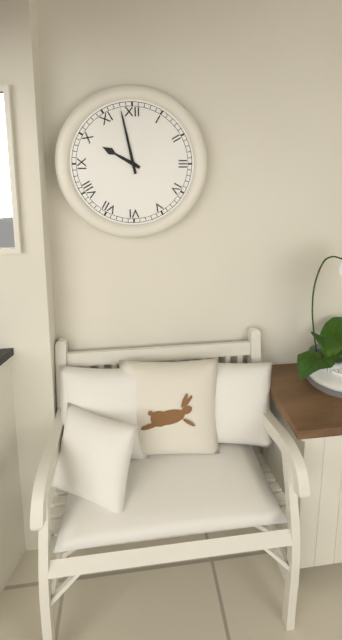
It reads 9.58
